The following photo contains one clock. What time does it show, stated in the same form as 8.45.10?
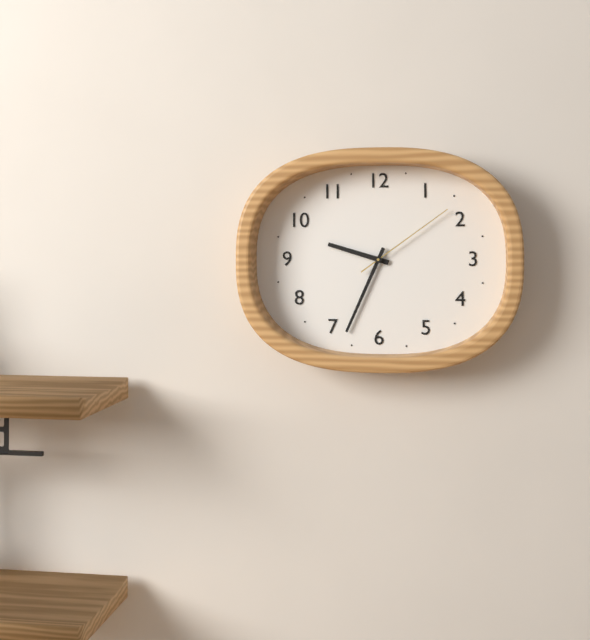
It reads 9.34.09
